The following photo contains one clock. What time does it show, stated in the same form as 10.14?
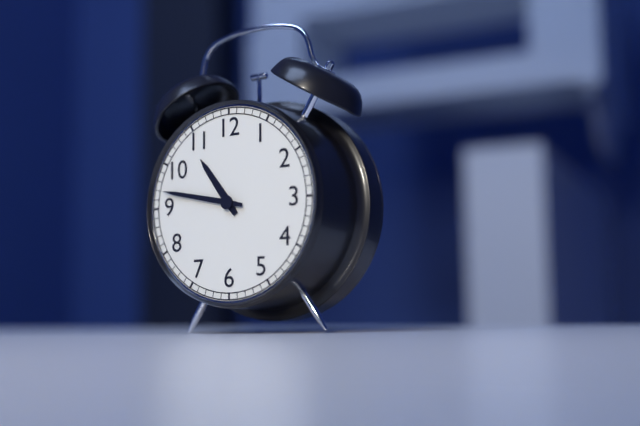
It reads 10.47
